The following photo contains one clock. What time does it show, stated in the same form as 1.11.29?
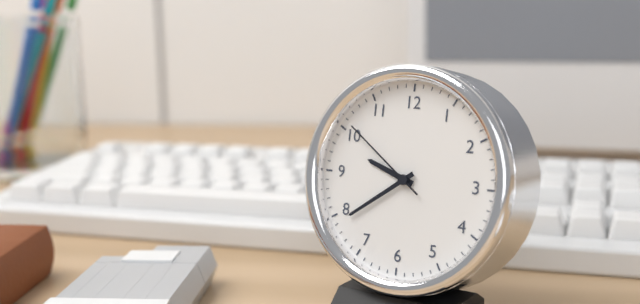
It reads 9.39.51
